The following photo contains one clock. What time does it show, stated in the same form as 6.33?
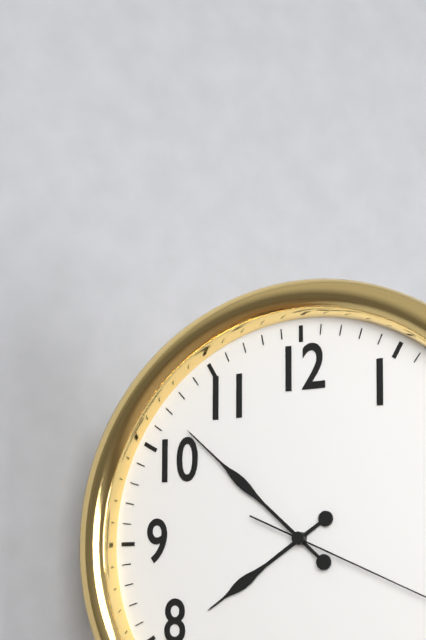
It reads 7.52
